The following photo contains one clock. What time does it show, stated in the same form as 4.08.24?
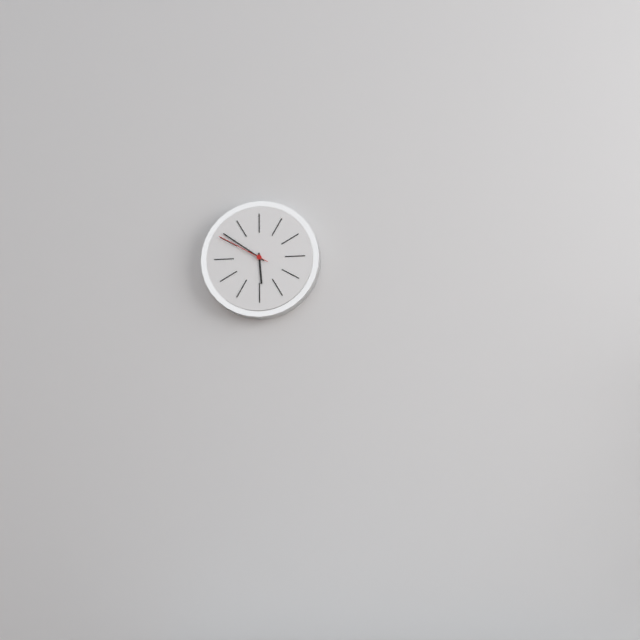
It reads 5.51.50
